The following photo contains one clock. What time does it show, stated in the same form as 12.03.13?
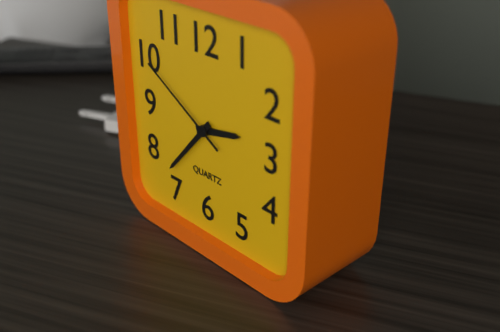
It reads 2.37.50
